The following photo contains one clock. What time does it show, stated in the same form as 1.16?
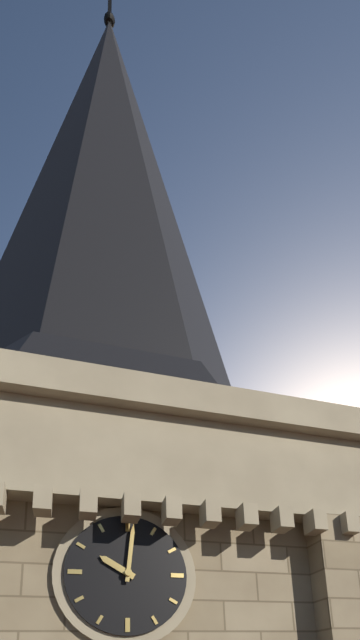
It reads 10.01
